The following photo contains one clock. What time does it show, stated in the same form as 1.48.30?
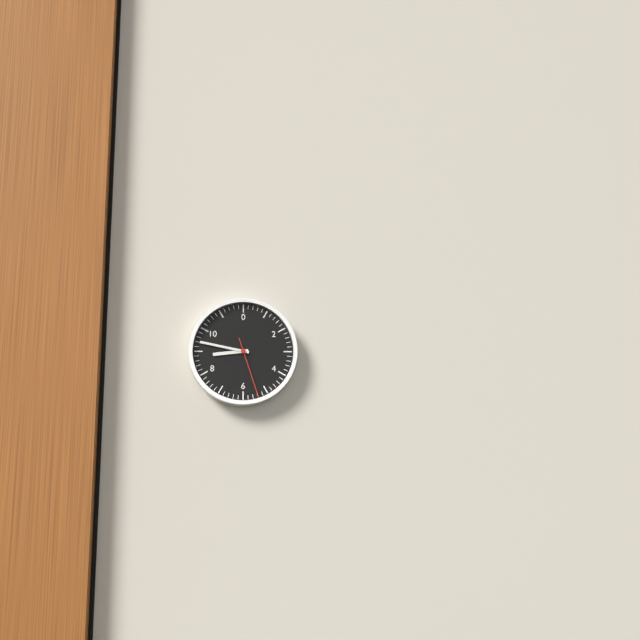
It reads 8.47.27
